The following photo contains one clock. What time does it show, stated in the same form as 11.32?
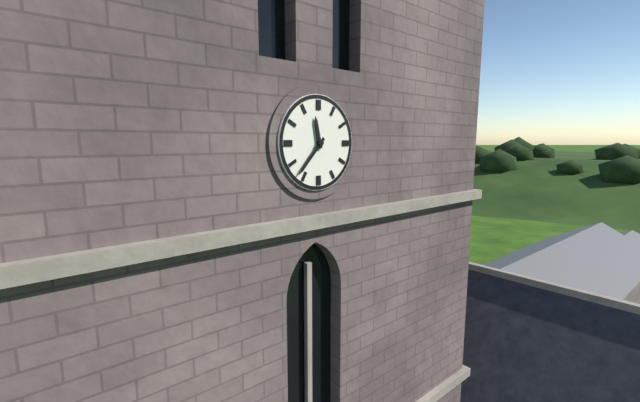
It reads 11.37
